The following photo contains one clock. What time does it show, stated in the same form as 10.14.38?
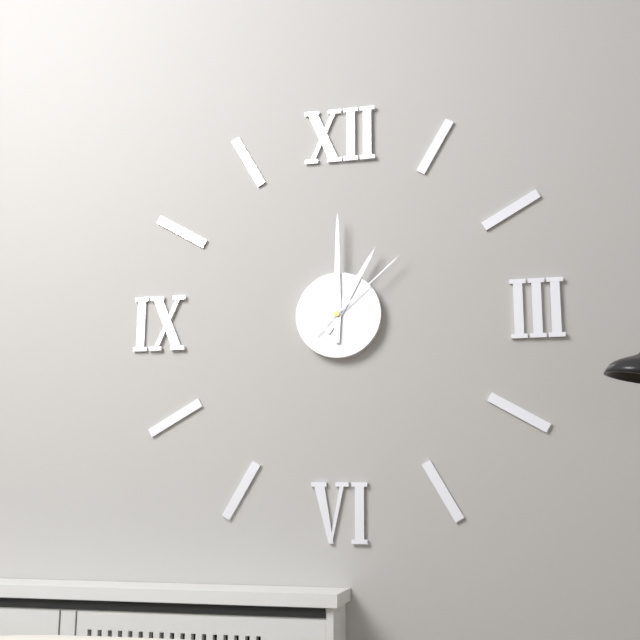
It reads 1.00.08
